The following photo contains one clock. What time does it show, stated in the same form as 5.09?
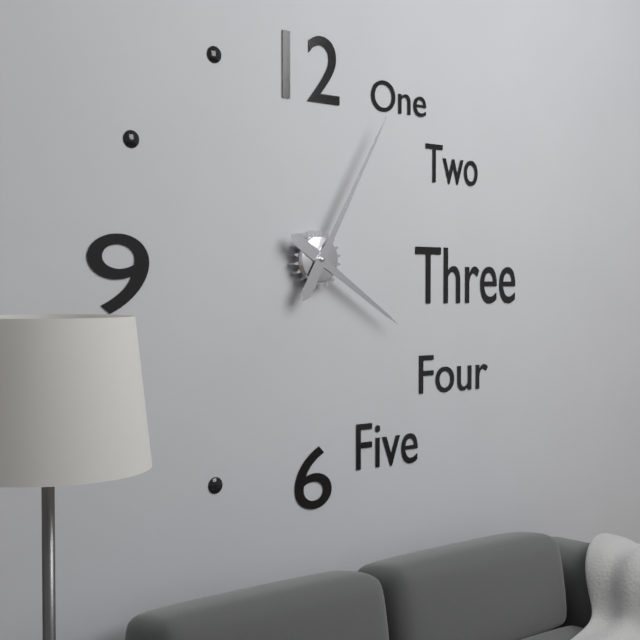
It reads 4.05
